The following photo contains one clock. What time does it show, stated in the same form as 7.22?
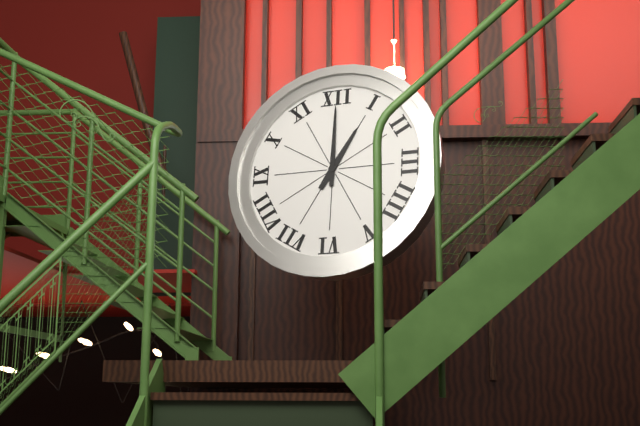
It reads 1.00
